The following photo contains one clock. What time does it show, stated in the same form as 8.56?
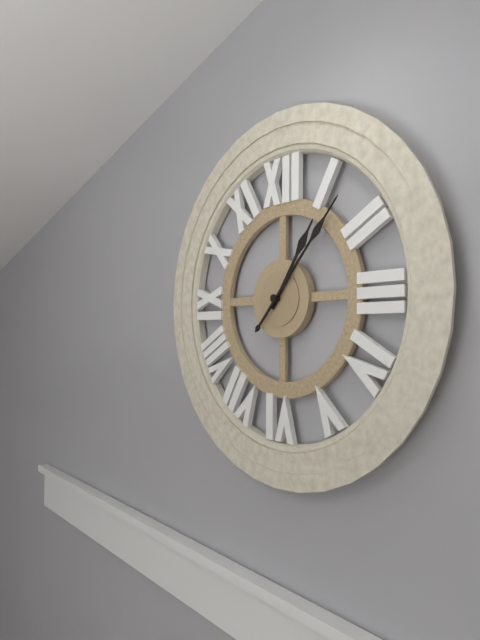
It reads 1.07
